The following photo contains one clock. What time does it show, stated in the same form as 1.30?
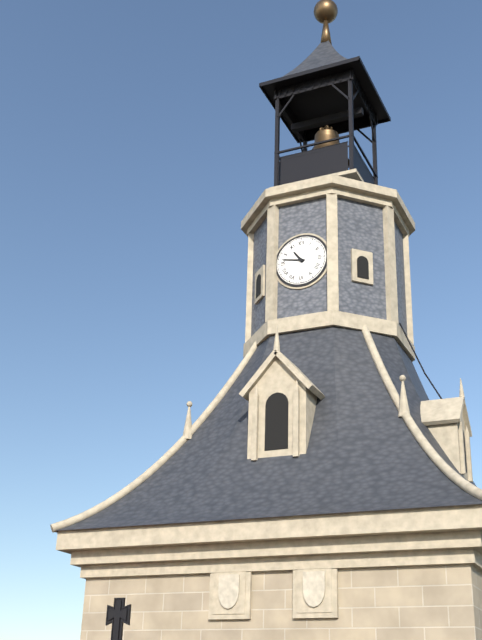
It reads 10.47
